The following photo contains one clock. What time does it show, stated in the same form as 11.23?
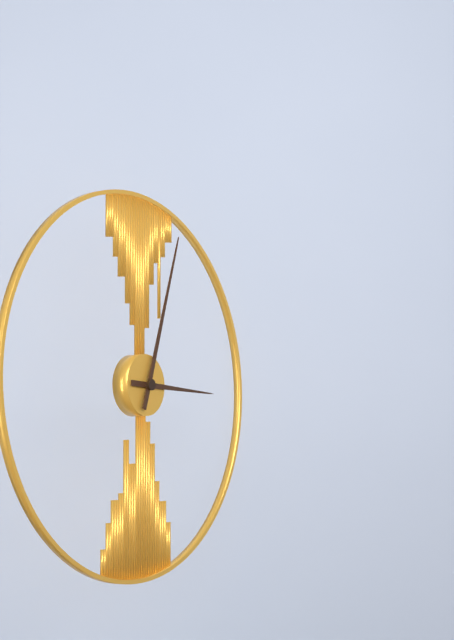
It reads 3.03
